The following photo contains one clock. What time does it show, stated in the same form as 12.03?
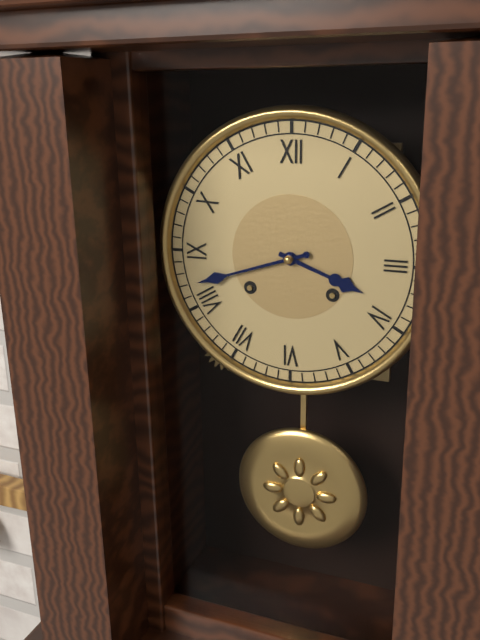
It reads 3.42
